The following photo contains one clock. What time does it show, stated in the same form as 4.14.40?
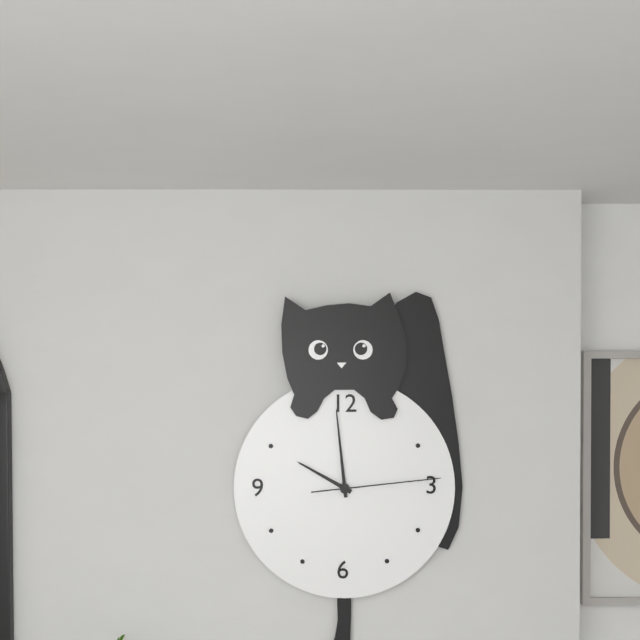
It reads 9.59.14
